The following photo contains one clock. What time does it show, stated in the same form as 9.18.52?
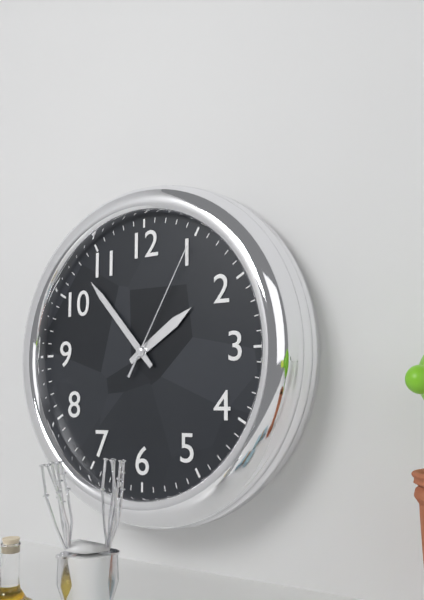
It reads 1.53.05
